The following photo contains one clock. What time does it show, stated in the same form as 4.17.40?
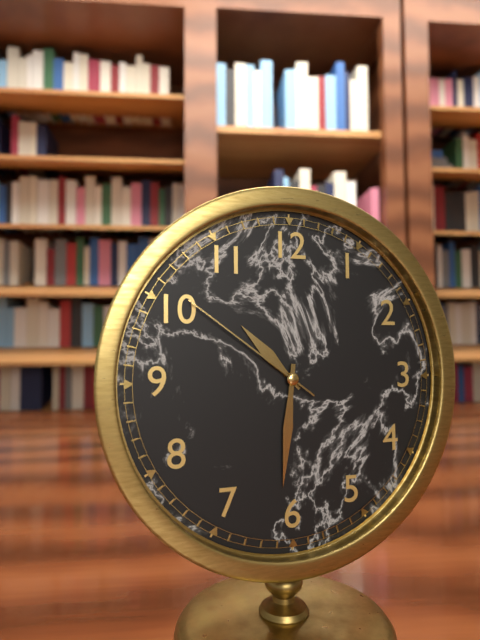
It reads 10.31.51
